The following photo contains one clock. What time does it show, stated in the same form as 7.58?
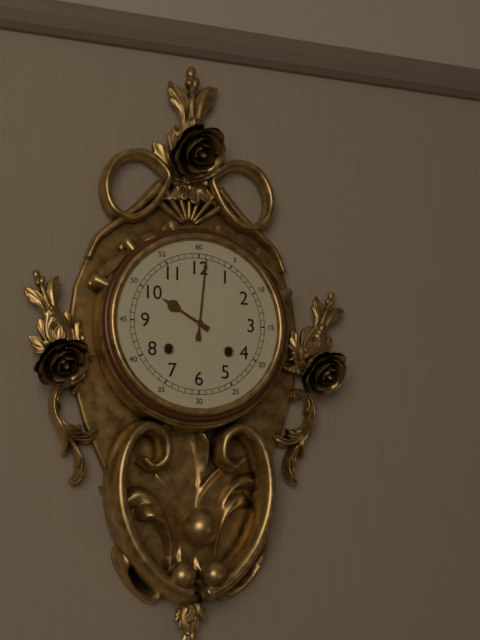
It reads 10.01
